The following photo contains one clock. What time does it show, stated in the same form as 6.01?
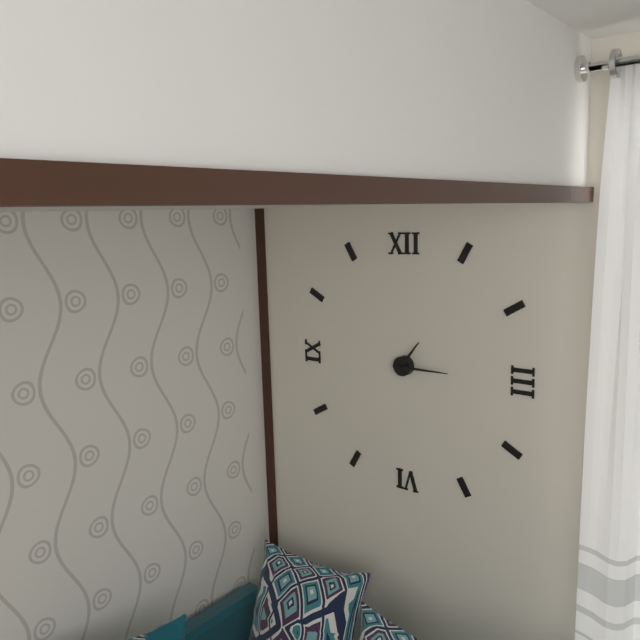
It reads 1.15
